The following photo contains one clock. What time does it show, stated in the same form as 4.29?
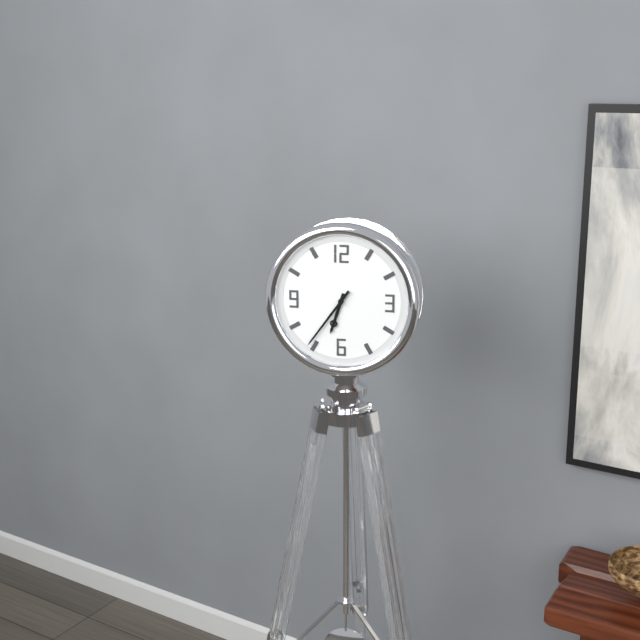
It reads 6.36
